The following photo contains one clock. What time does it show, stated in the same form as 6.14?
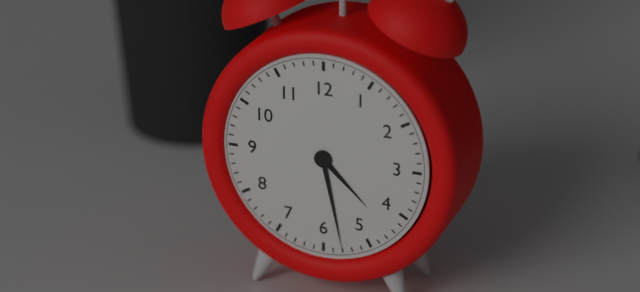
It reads 4.28
